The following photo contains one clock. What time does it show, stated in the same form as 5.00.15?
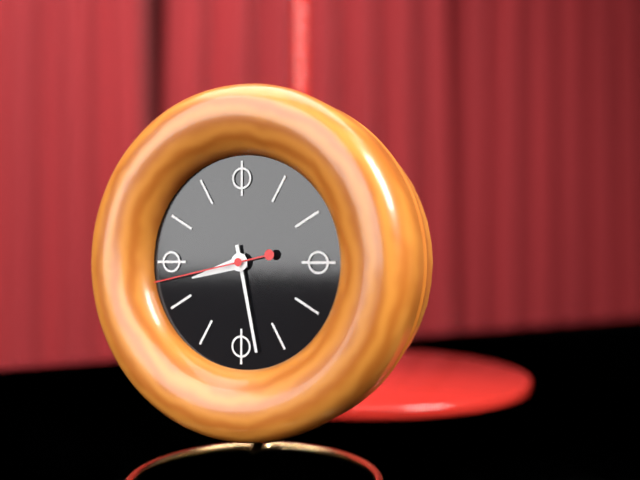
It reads 8.28.43
